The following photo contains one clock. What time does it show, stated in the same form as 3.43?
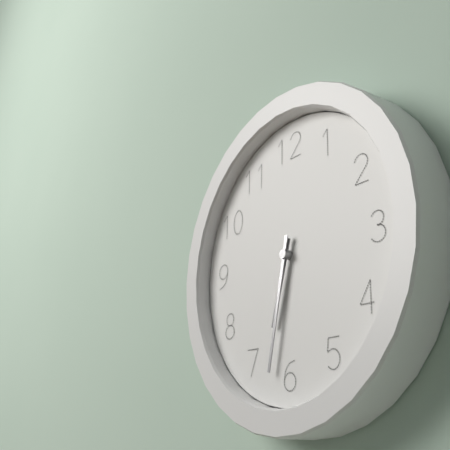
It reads 6.32
